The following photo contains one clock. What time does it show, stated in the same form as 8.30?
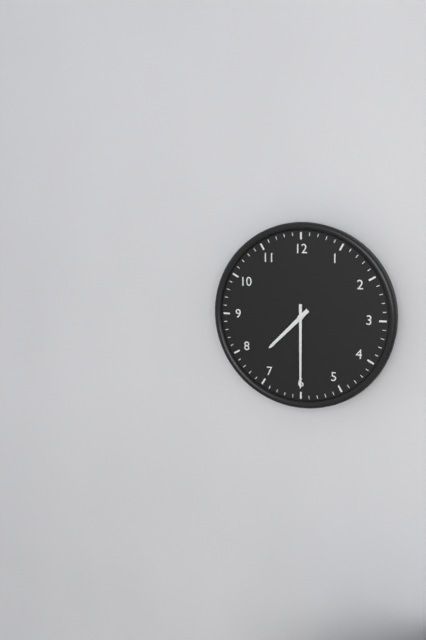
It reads 7.30
